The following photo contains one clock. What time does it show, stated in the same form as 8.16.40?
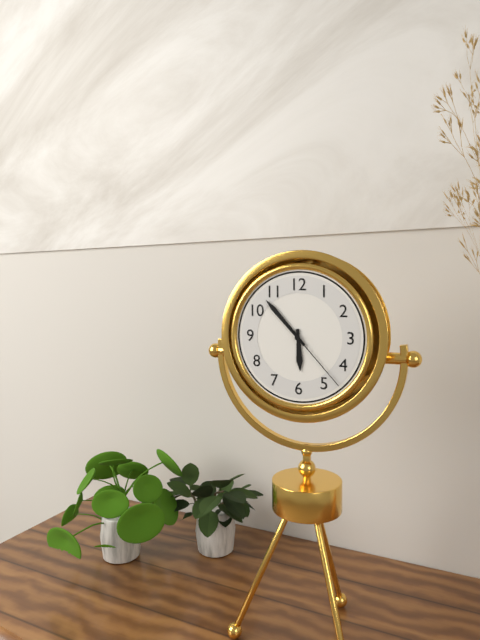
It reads 5.53.23
